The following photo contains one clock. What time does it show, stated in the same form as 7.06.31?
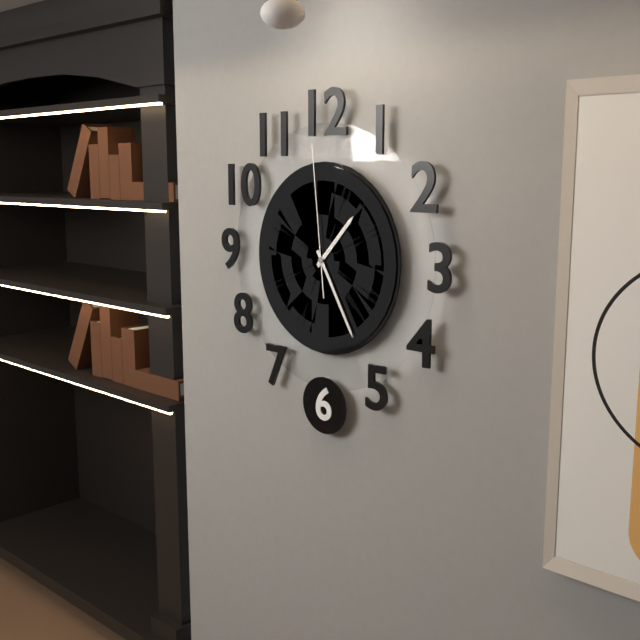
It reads 1.25.59
